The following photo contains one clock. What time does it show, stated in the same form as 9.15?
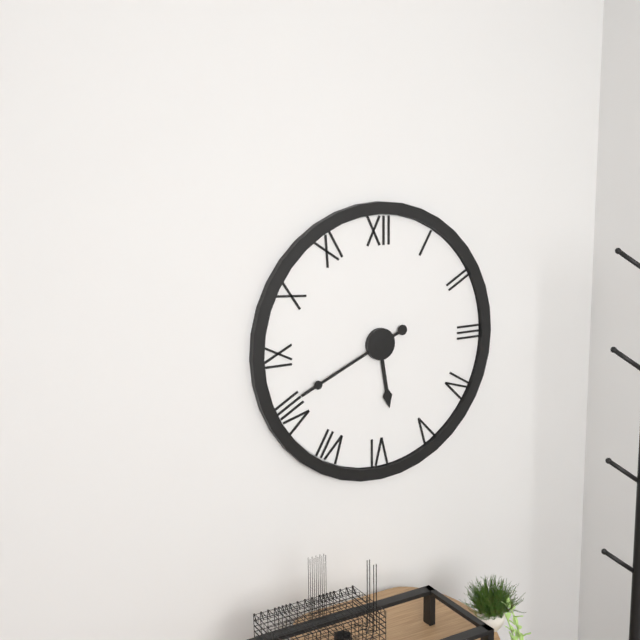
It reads 5.41
